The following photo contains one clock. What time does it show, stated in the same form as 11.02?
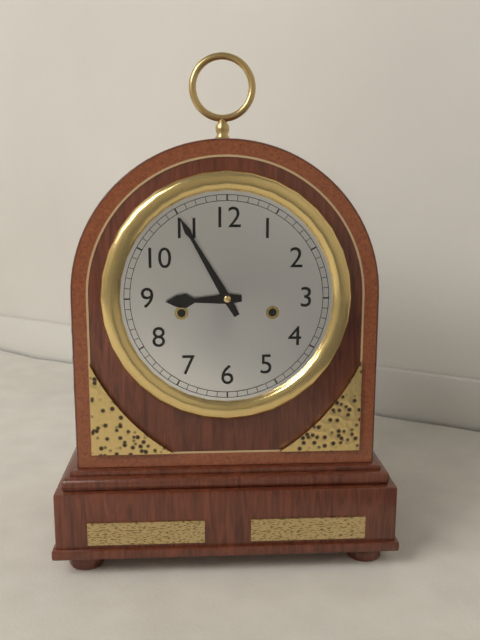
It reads 8.55
